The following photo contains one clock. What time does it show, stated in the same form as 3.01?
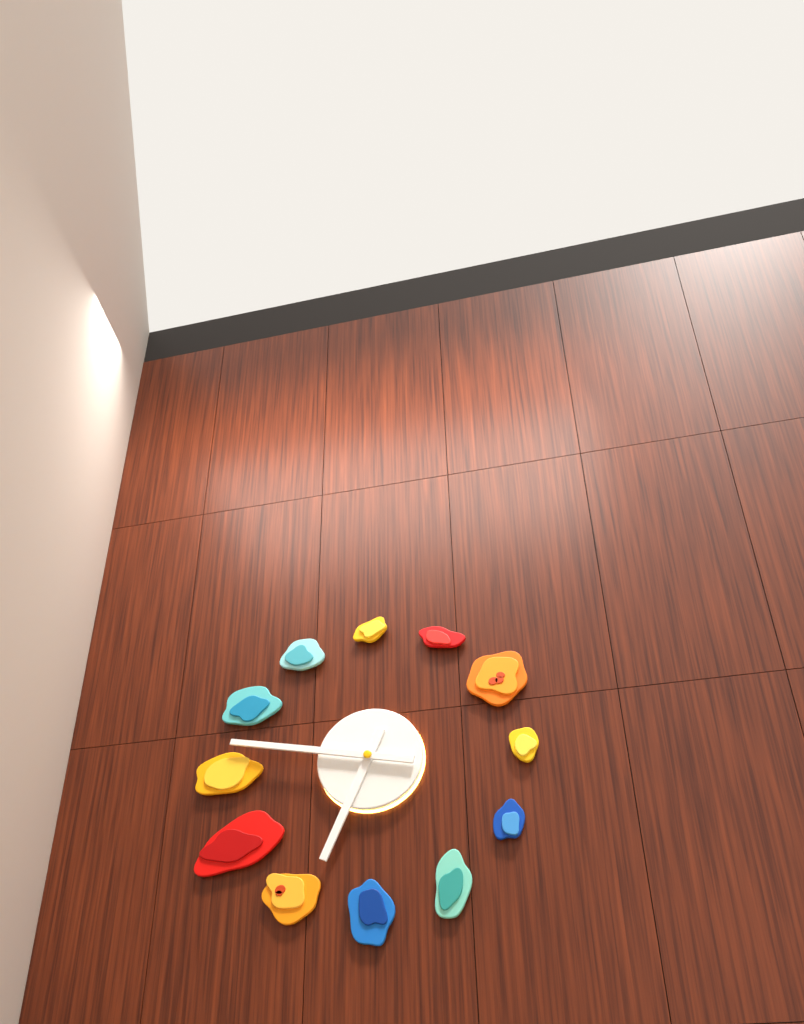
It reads 6.47
